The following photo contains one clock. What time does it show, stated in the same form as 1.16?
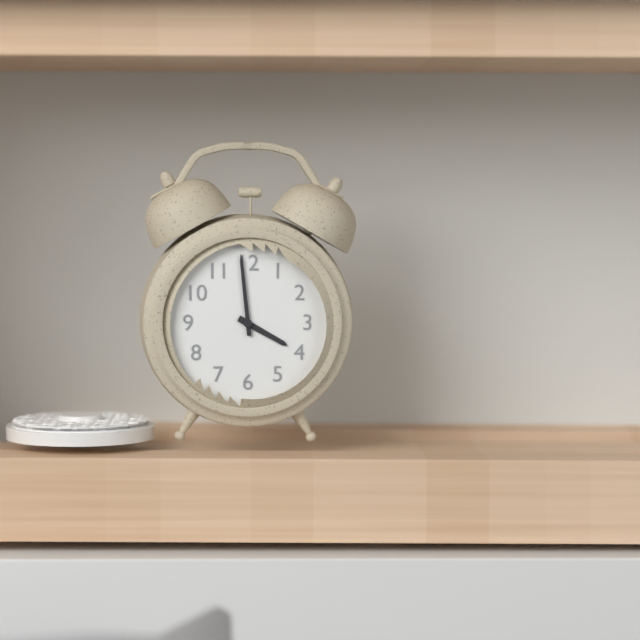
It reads 3.59
